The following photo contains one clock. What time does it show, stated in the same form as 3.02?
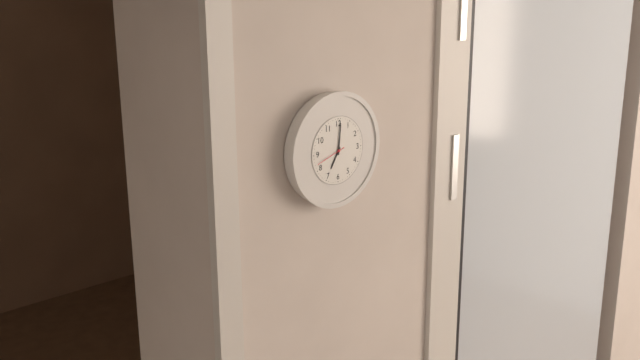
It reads 7.01
